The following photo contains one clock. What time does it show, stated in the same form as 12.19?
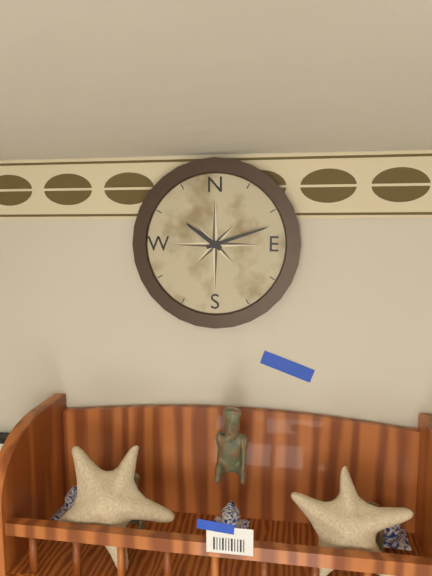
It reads 10.12
